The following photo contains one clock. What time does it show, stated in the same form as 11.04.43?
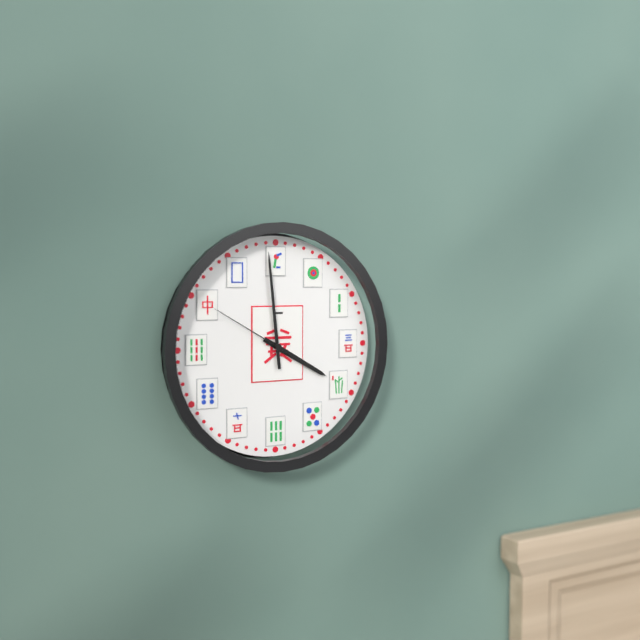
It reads 3.59.50
